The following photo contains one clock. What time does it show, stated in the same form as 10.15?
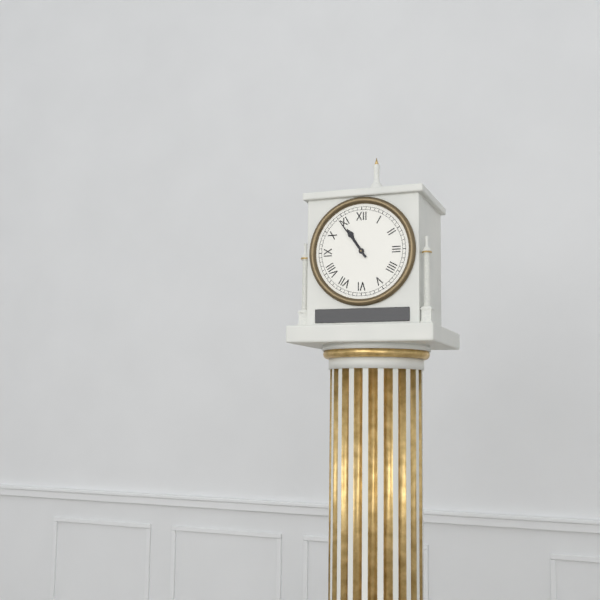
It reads 10.54
